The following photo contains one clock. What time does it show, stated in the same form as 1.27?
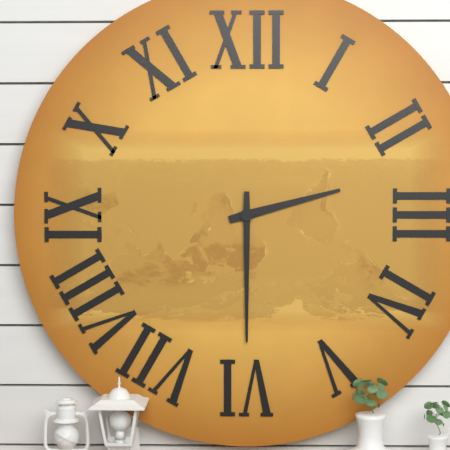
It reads 2.30
